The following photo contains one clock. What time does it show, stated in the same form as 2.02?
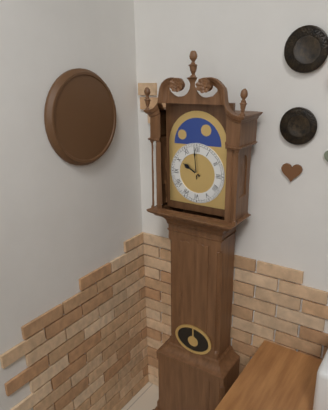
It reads 9.59
